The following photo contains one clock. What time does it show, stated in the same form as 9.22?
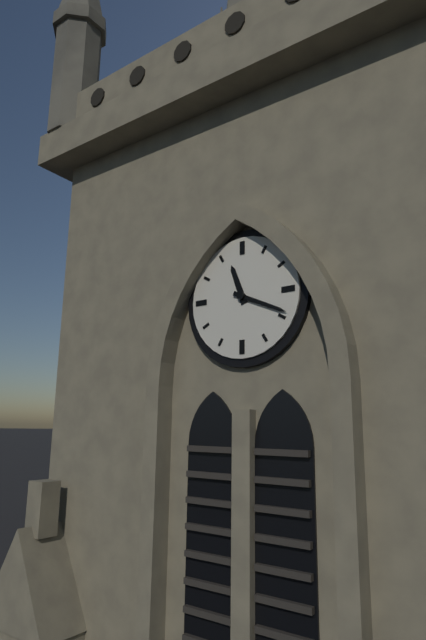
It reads 11.19
